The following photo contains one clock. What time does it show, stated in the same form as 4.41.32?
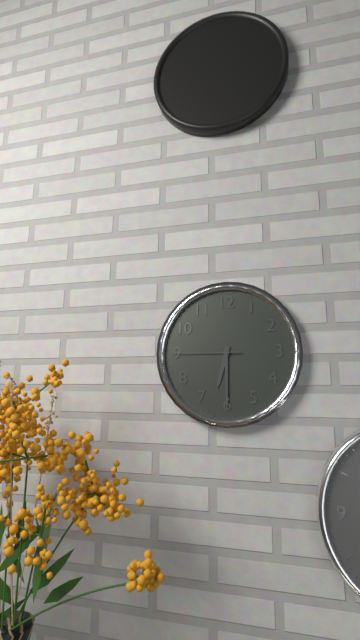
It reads 6.30.45
